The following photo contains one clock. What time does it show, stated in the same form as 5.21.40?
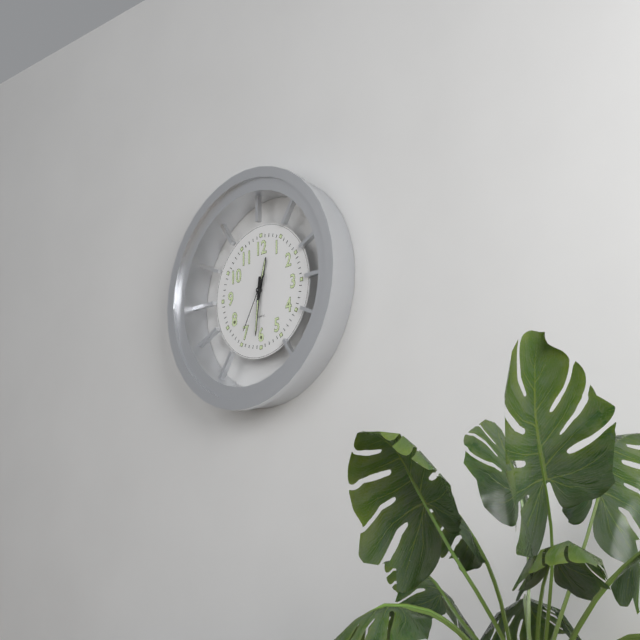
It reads 12.31.35
